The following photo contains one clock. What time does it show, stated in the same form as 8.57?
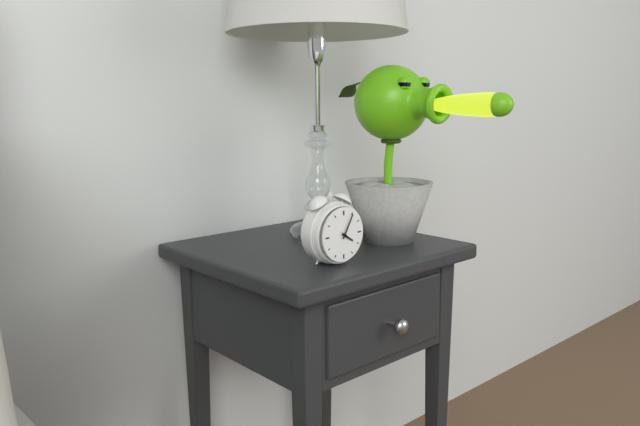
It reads 4.05
